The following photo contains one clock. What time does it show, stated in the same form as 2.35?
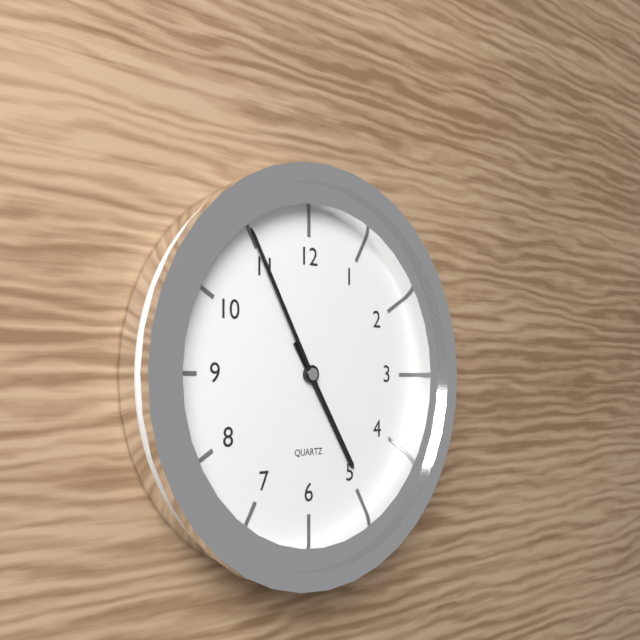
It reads 4.55
